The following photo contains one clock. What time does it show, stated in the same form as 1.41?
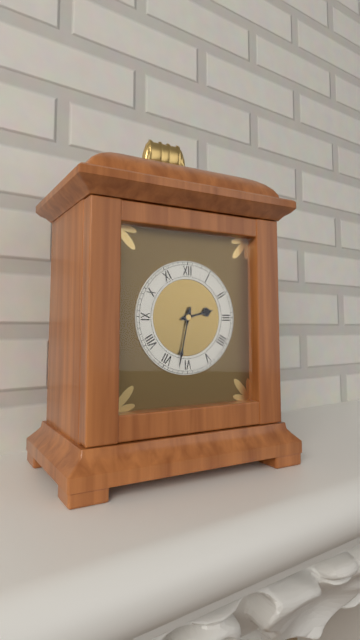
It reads 2.32
